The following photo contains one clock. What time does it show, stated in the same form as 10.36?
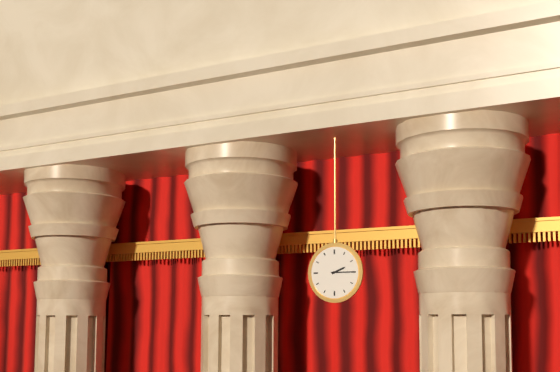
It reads 2.15
